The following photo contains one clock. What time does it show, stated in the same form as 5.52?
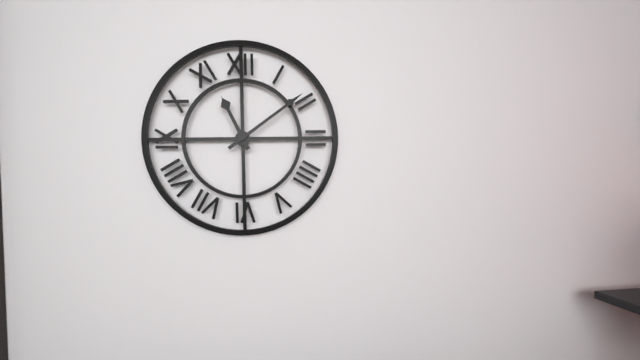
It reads 11.09
